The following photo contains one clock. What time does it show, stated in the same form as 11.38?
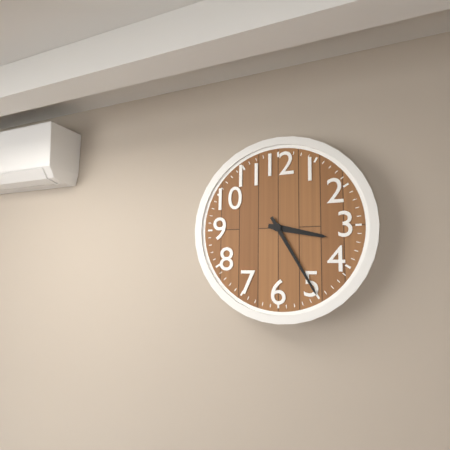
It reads 3.25
